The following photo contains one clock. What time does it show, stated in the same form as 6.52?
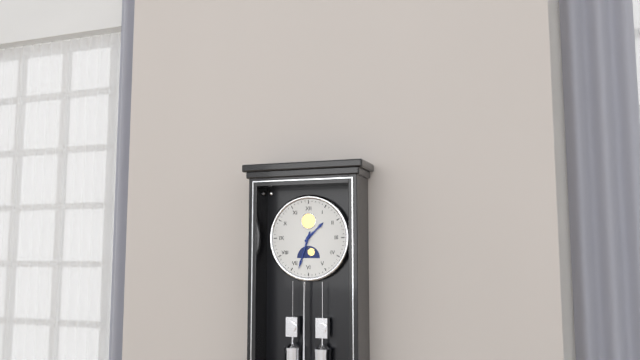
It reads 1.33
